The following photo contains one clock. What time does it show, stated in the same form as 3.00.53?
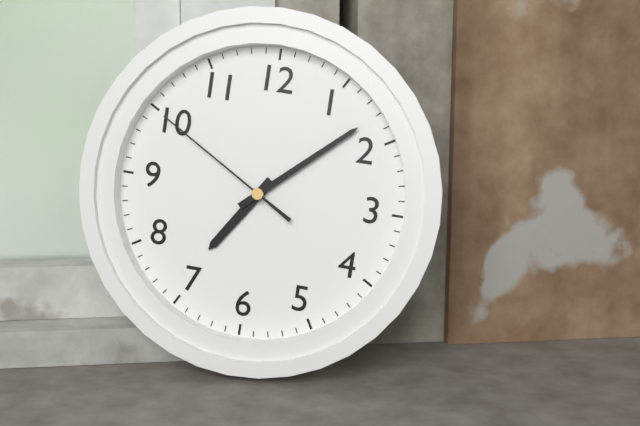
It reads 7.08.50
